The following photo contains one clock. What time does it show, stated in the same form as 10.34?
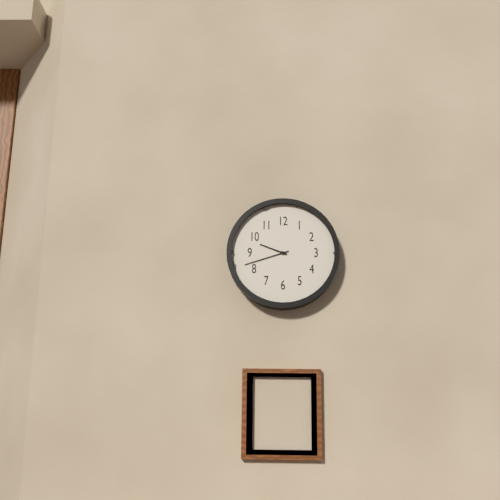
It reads 9.42
